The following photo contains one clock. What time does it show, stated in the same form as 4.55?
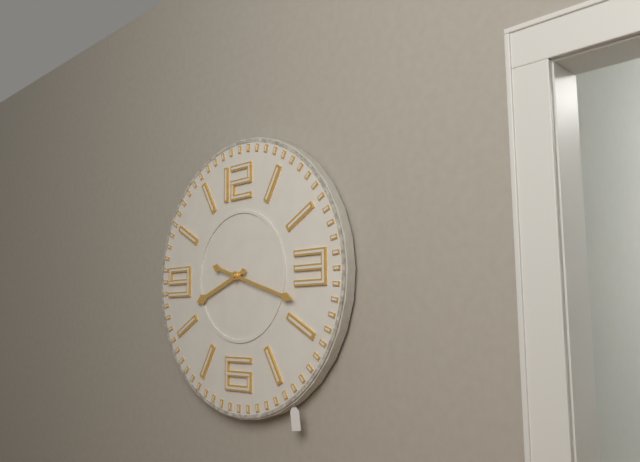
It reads 8.18
